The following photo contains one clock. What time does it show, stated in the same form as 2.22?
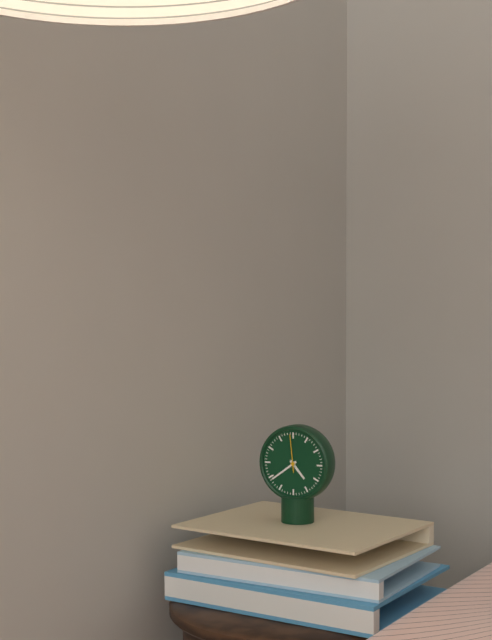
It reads 4.39
